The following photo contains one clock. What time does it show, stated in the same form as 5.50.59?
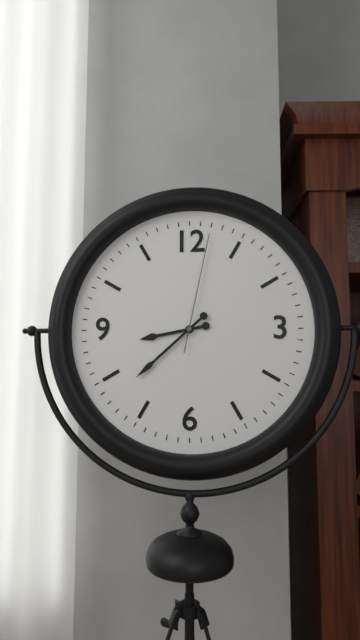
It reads 8.38.02
